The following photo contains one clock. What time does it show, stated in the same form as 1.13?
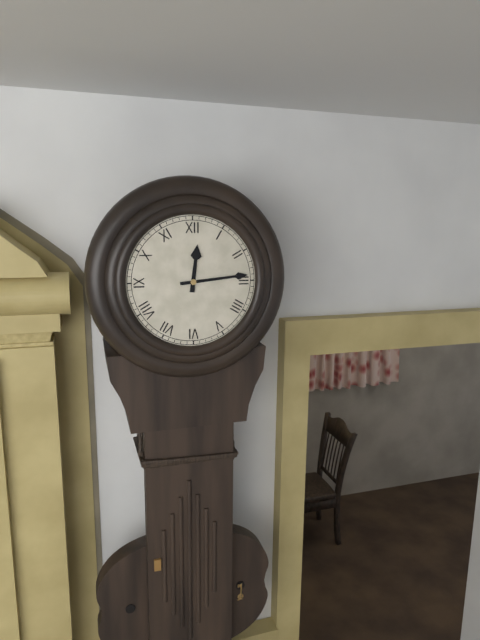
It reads 12.14
